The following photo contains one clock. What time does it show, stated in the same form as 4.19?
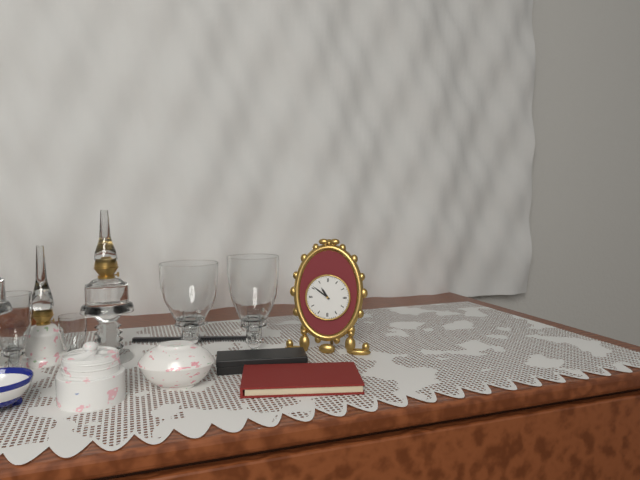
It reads 10.51
